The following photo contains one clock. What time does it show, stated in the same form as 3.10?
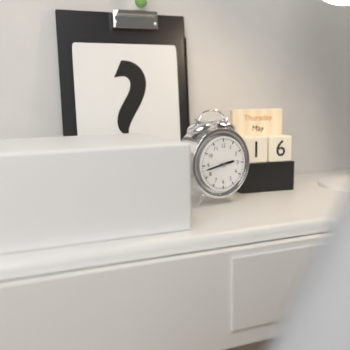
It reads 2.43
